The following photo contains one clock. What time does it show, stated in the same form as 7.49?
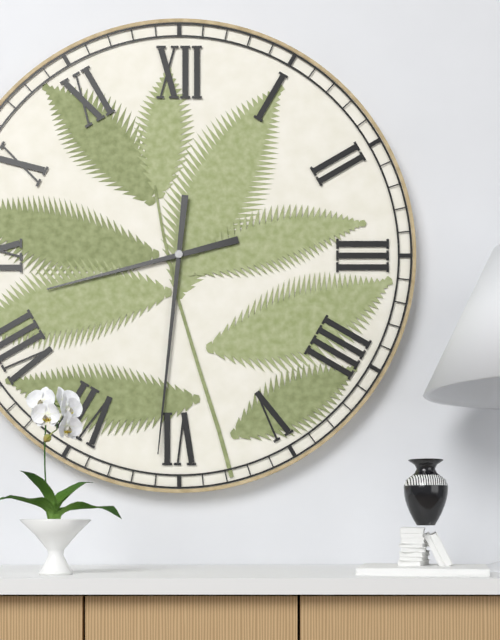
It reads 8.31
